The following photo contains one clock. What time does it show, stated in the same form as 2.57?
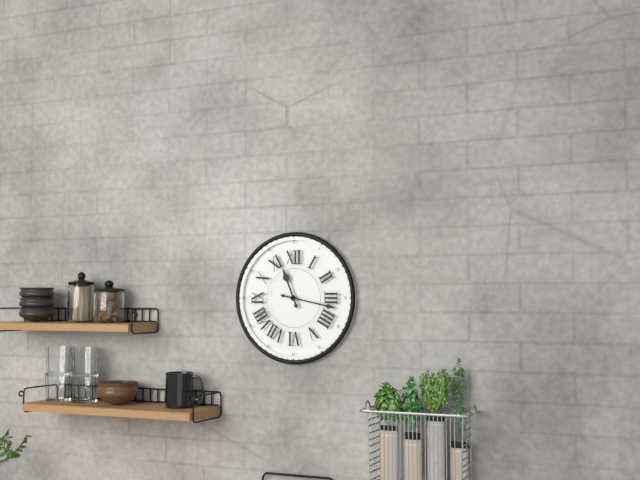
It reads 11.17
